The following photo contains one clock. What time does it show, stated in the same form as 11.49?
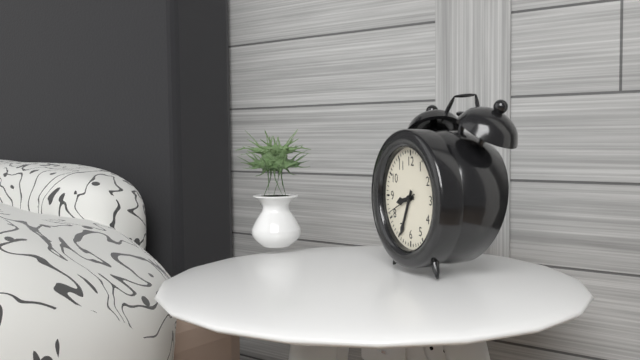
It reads 8.34
